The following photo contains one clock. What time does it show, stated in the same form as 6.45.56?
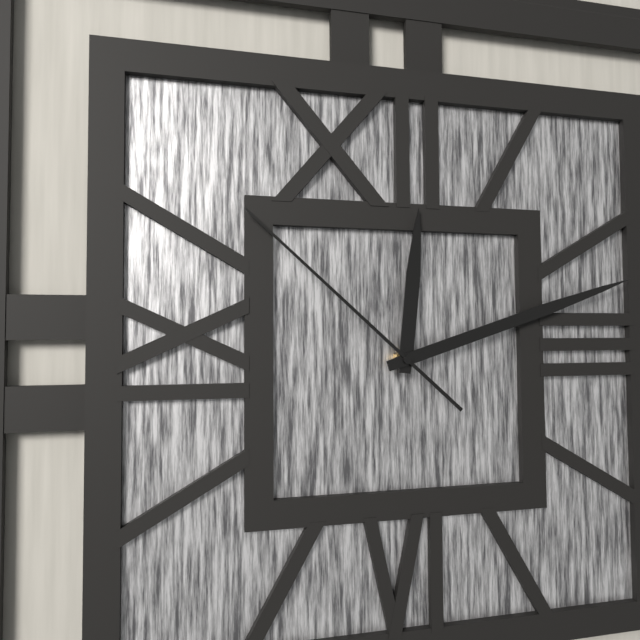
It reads 12.12.52
